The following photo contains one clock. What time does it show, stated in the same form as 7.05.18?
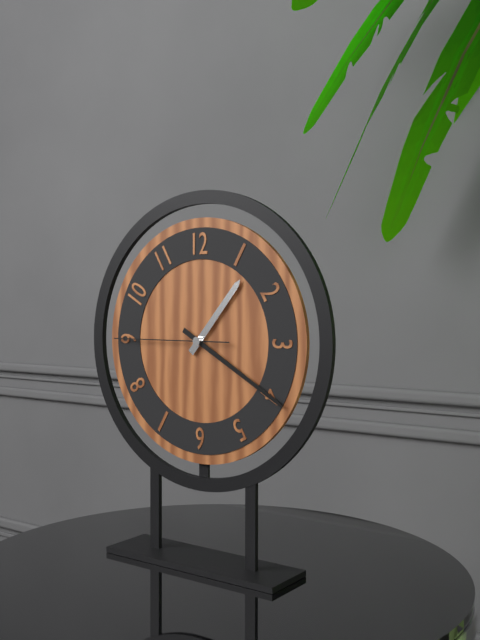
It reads 1.20.45
